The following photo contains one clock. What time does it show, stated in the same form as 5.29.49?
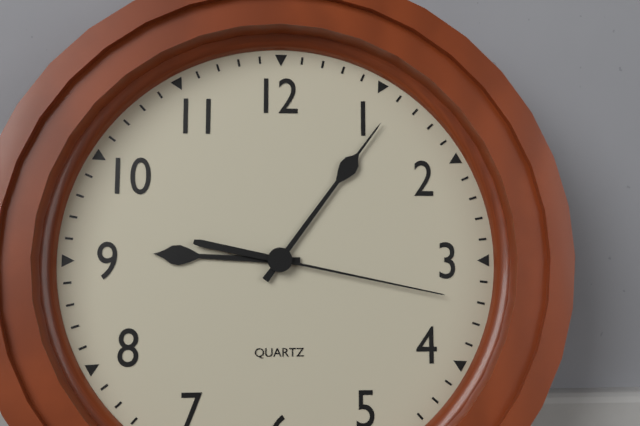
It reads 9.06.17
